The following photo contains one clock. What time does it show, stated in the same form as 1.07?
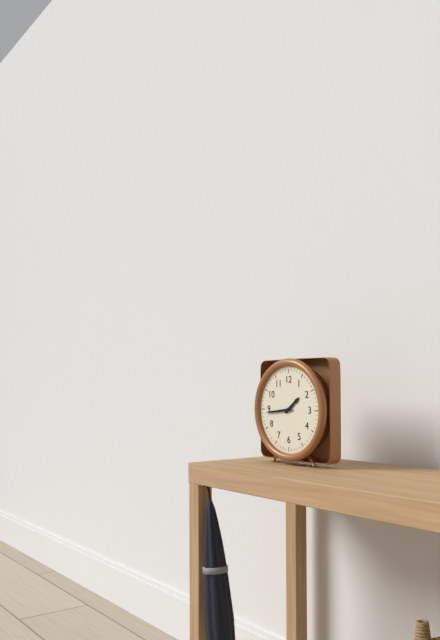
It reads 1.44
